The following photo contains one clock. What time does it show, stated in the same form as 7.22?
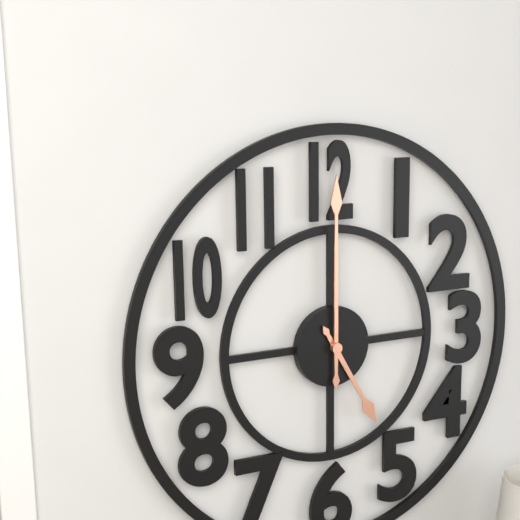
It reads 5.00
